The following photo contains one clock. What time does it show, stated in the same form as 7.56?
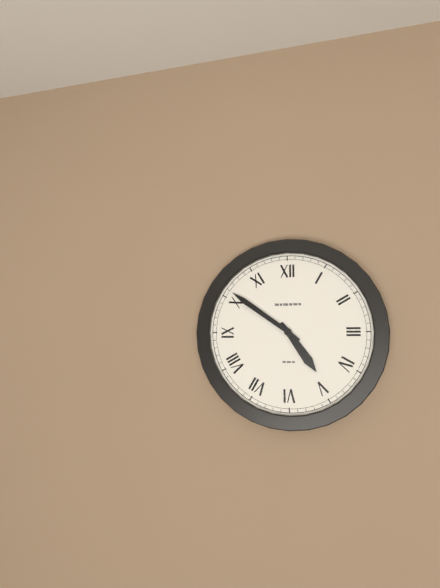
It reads 4.51
